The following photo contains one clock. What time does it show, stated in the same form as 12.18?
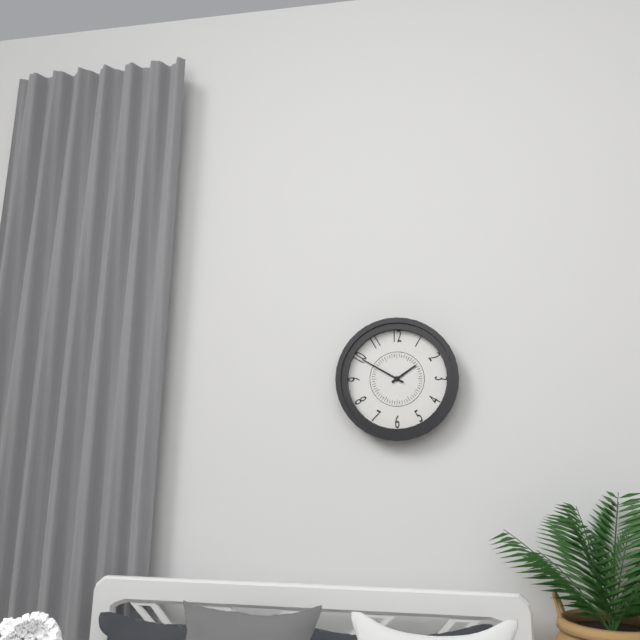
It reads 1.50
